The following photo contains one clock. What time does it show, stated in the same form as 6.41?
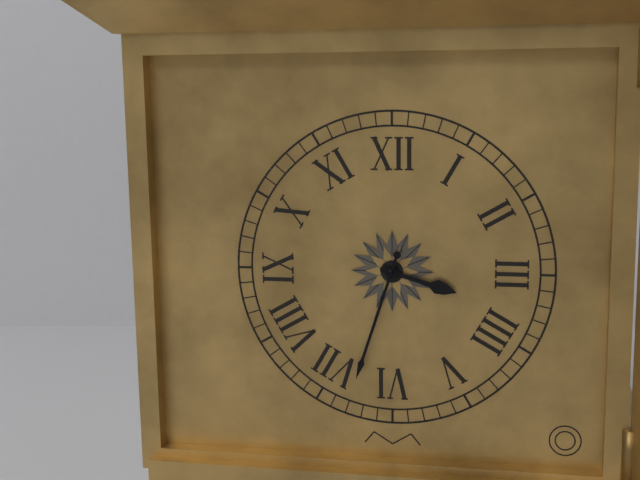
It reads 3.33
